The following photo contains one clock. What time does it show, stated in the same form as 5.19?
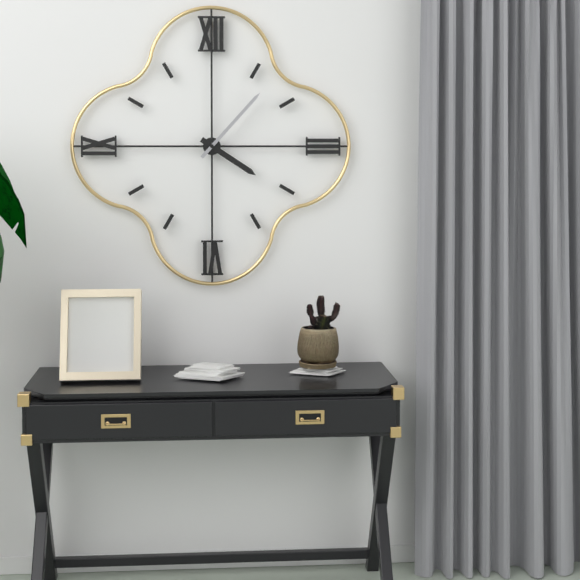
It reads 4.07
